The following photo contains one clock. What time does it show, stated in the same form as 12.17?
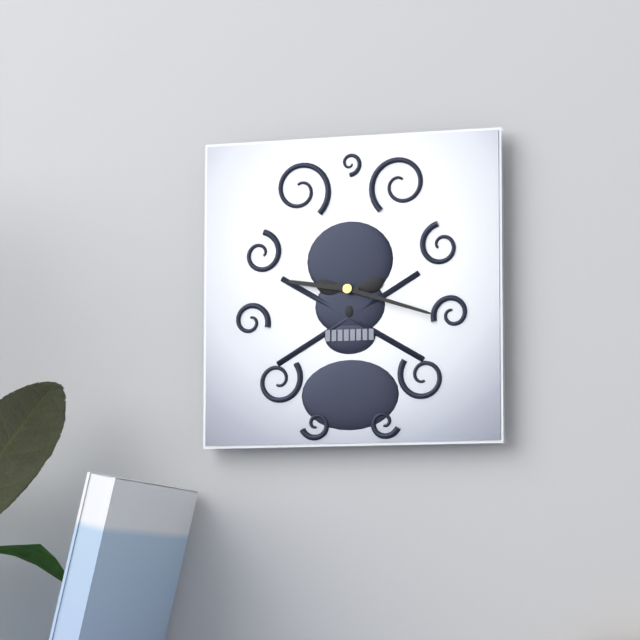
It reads 9.18
